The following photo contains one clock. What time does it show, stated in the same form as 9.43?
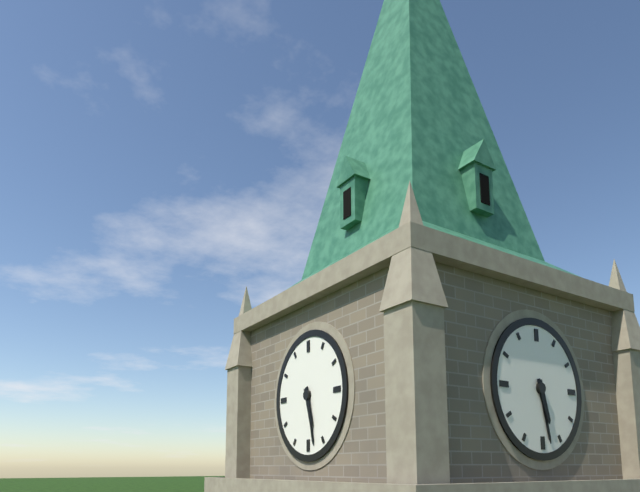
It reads 5.28
